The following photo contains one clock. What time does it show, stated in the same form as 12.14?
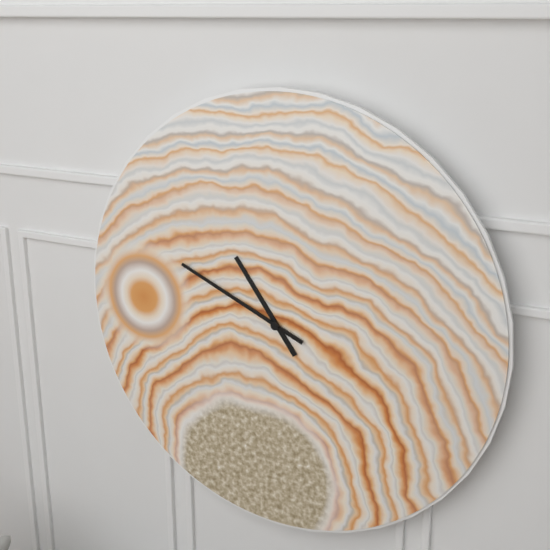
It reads 10.49
